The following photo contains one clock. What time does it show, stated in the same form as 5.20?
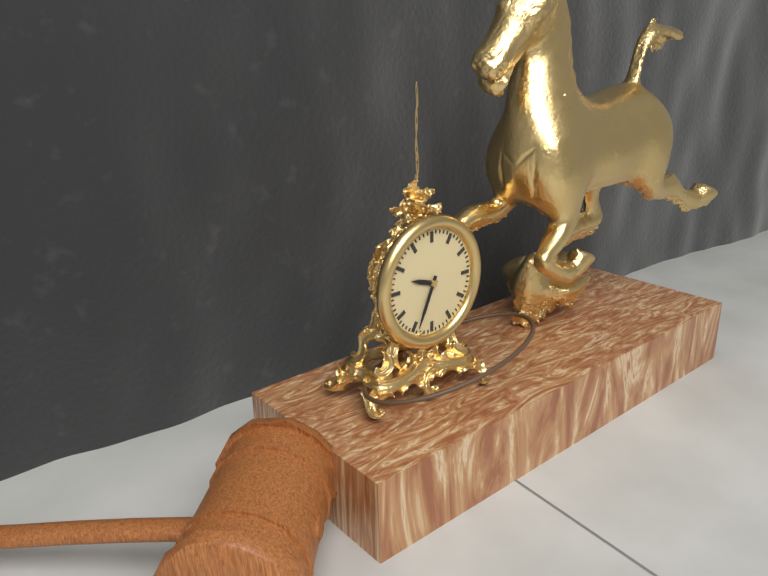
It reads 9.34
